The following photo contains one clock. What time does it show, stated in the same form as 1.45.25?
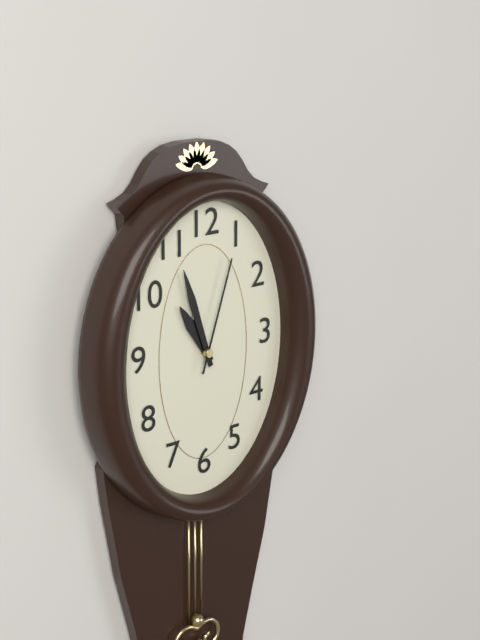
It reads 10.57.03
